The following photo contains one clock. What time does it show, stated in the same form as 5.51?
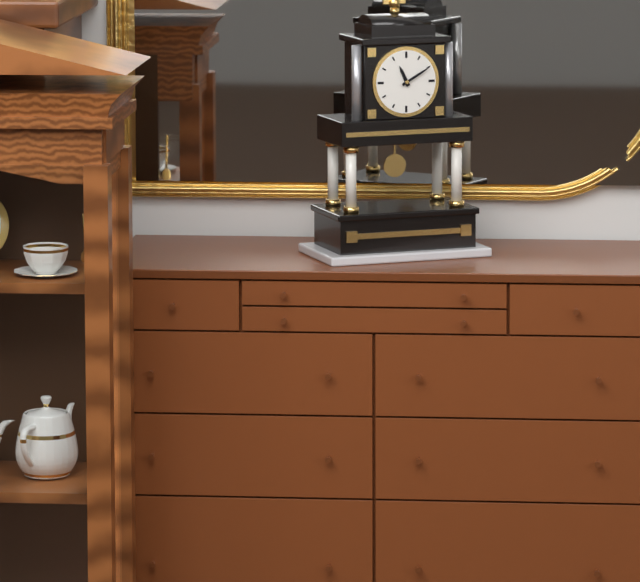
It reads 11.10
